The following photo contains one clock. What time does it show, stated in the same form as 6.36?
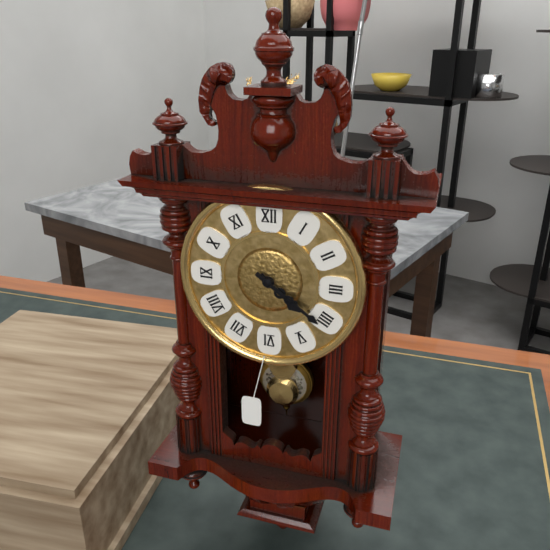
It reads 4.21
